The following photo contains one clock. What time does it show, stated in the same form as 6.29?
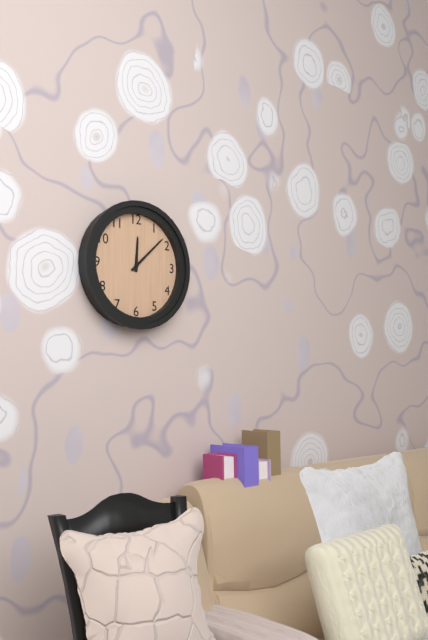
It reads 12.08
